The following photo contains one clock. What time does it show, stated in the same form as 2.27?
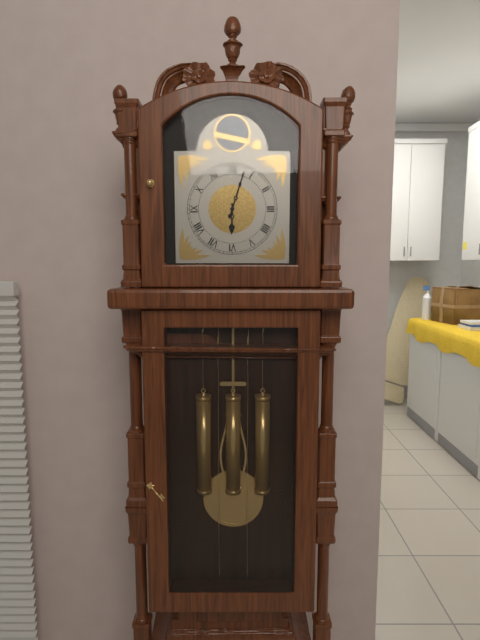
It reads 6.03
